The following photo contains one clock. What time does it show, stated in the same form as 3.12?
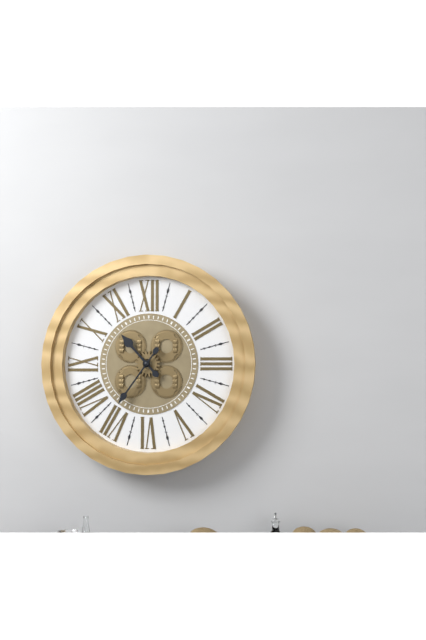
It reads 10.36
